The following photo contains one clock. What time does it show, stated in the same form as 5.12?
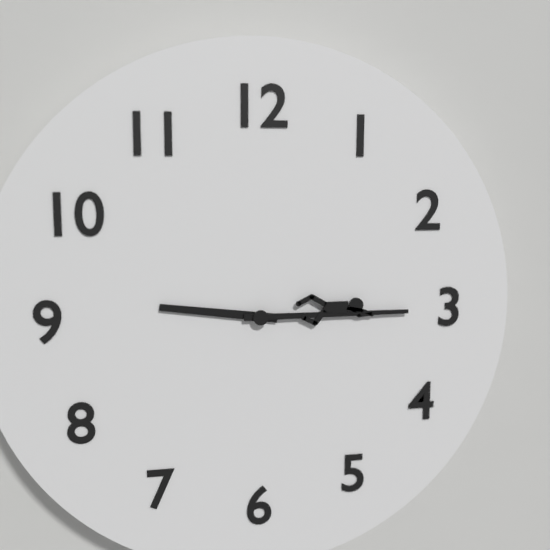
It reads 9.15
